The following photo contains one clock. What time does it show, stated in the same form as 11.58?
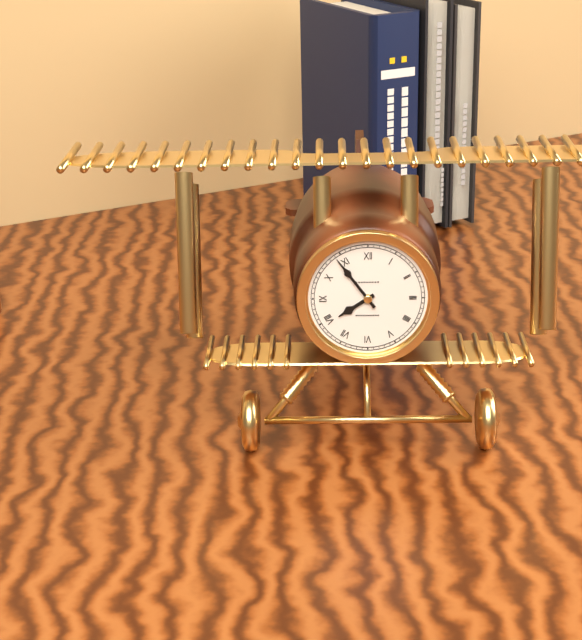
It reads 7.54
